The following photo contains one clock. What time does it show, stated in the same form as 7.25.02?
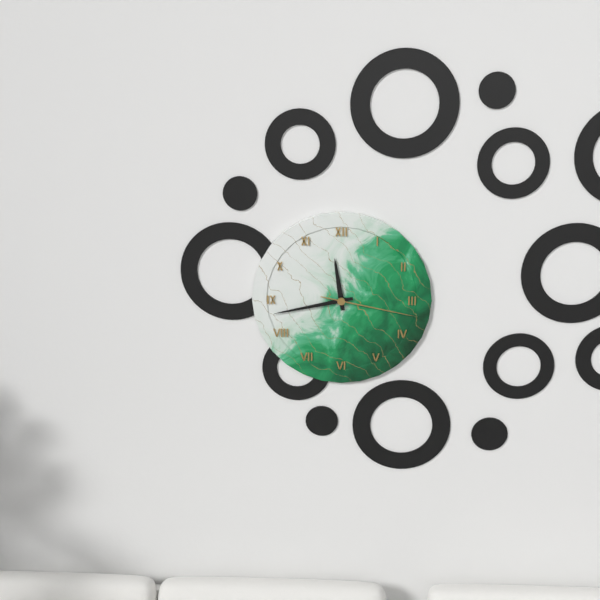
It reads 11.43.17
